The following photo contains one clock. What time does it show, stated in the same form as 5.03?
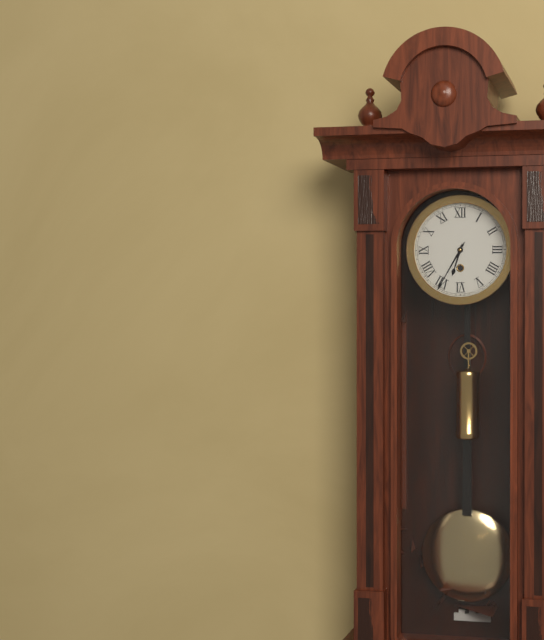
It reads 6.35
